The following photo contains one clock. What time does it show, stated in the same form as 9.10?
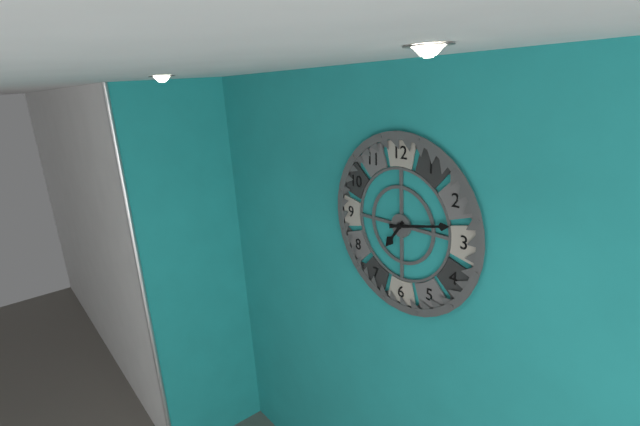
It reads 7.13
